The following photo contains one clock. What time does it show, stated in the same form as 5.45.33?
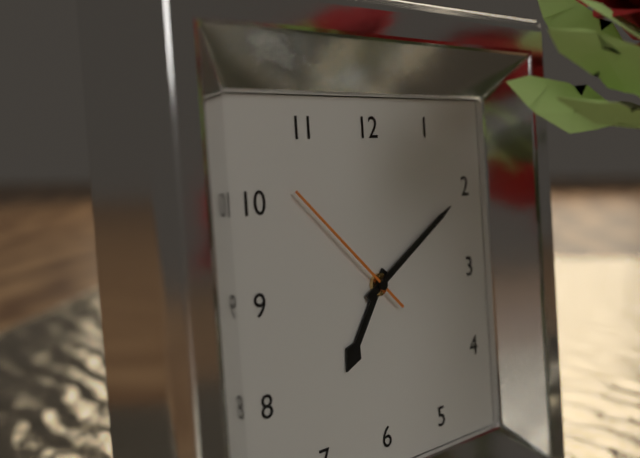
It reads 7.10.52
